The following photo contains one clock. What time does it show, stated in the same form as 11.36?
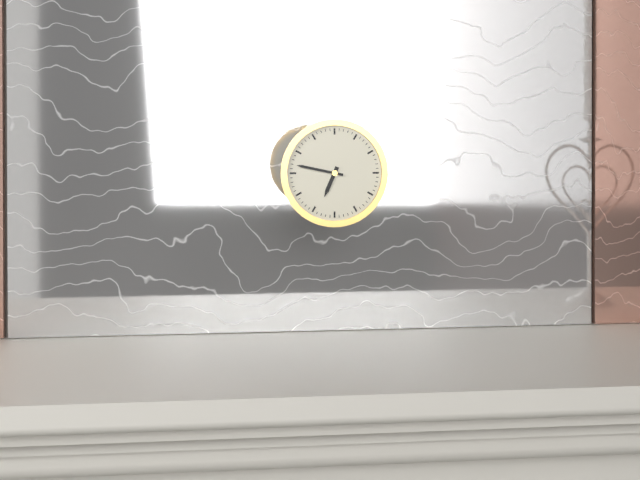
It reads 6.47
